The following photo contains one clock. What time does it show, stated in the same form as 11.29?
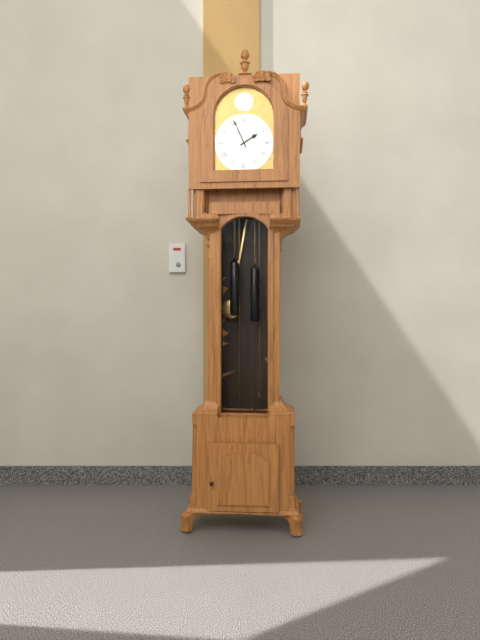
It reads 1.56
